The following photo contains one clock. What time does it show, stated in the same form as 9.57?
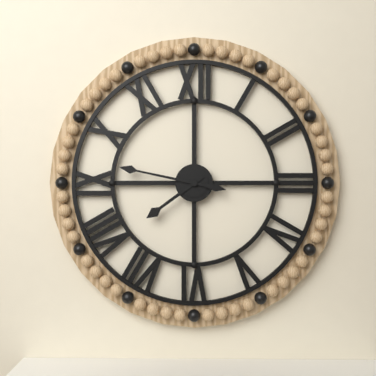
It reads 7.47
